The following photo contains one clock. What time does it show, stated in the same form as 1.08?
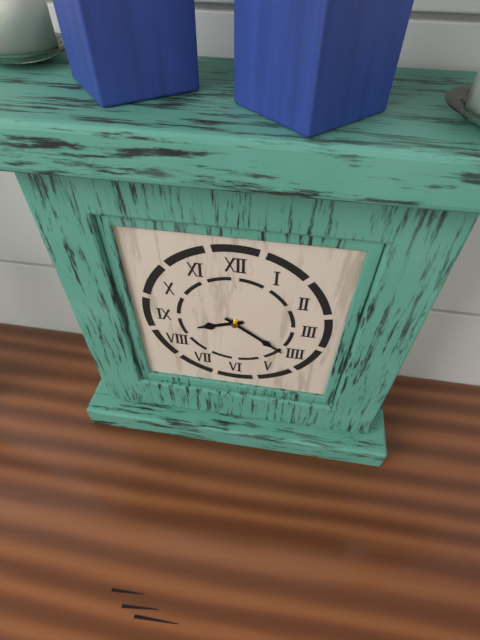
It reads 8.21
